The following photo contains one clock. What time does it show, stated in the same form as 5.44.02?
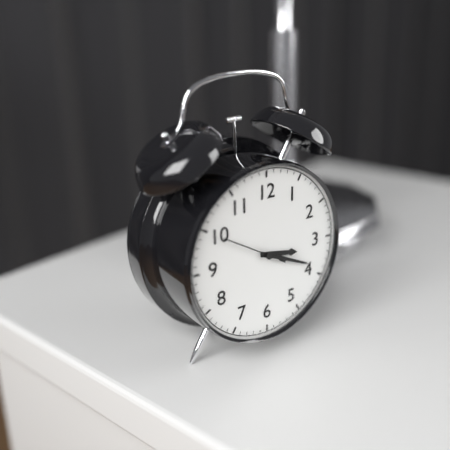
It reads 3.19.50
